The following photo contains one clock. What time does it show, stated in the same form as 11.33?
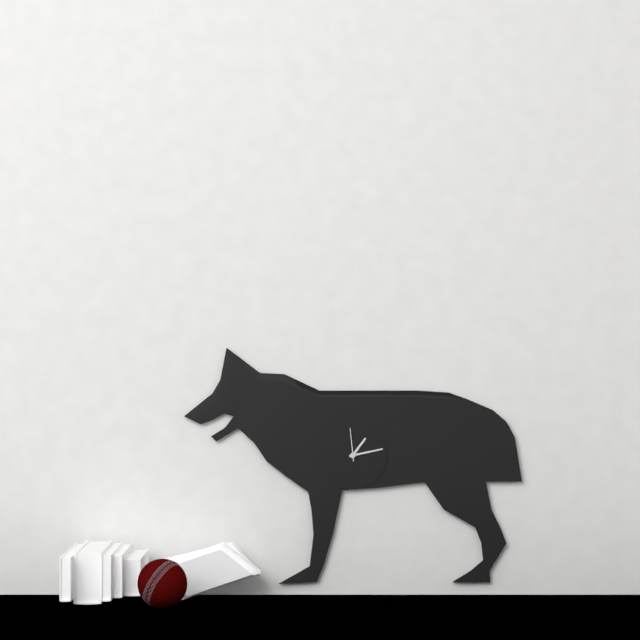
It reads 1.13
